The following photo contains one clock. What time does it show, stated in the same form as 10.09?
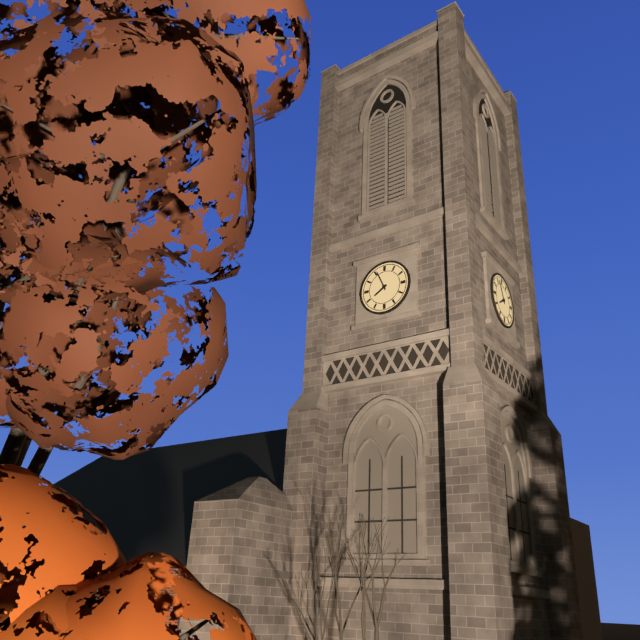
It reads 7.56
